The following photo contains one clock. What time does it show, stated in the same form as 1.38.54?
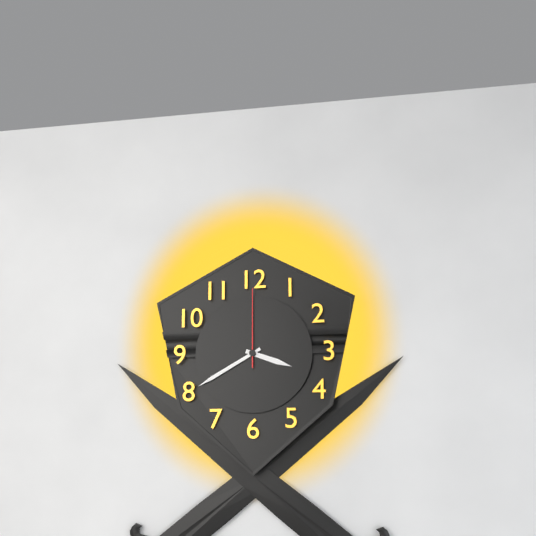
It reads 3.40.00
